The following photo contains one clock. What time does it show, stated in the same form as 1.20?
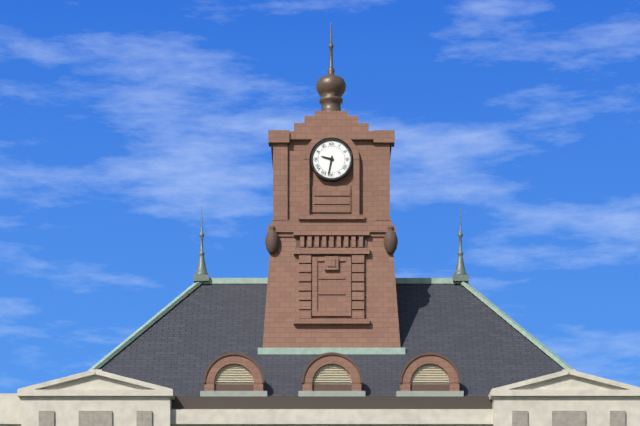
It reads 9.32
